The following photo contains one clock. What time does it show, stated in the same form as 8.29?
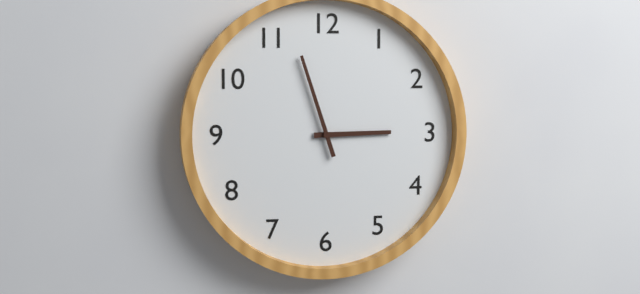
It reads 2.57
